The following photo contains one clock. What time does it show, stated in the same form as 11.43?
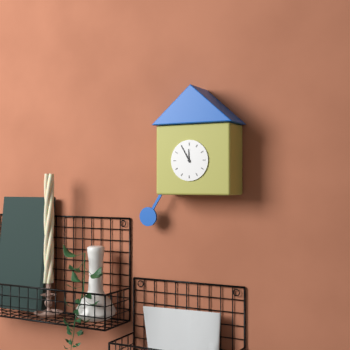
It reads 11.55
